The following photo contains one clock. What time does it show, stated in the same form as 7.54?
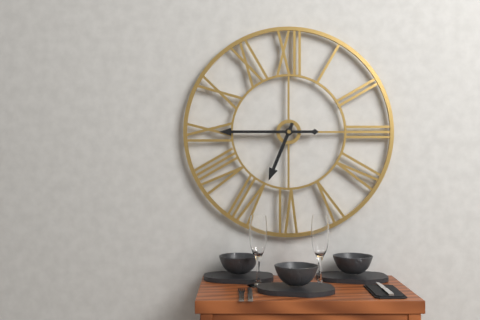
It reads 6.45
